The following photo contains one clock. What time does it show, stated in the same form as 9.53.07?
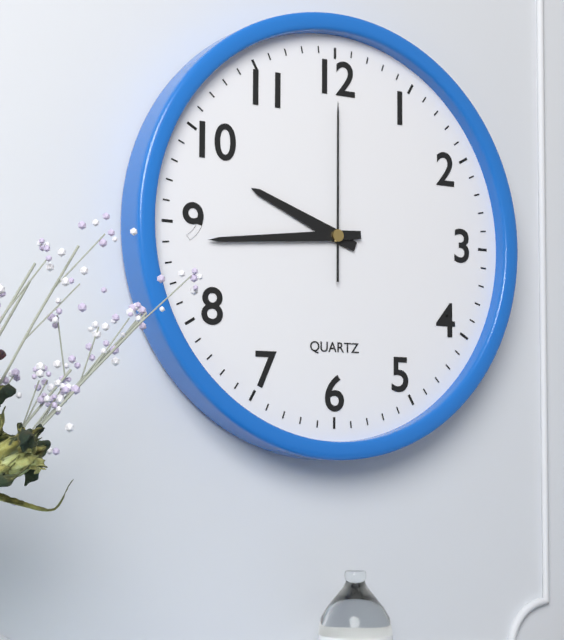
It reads 9.44.00
